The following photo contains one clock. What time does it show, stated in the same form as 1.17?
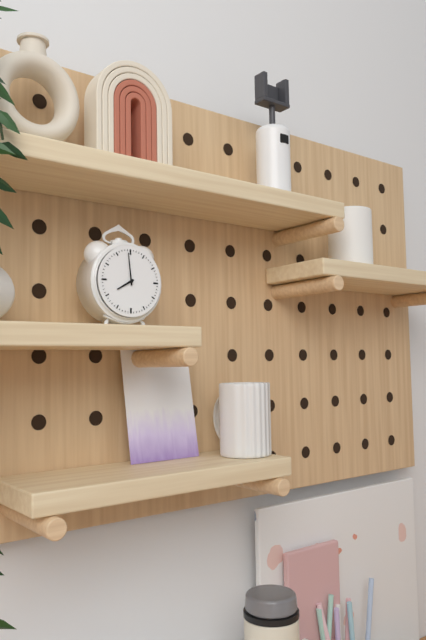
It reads 7.59
